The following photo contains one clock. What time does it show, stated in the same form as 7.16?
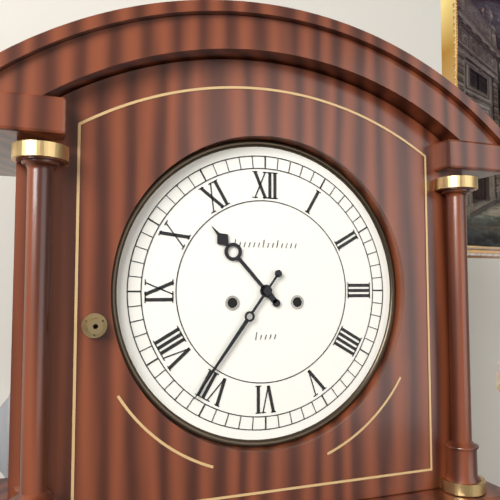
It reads 10.36
